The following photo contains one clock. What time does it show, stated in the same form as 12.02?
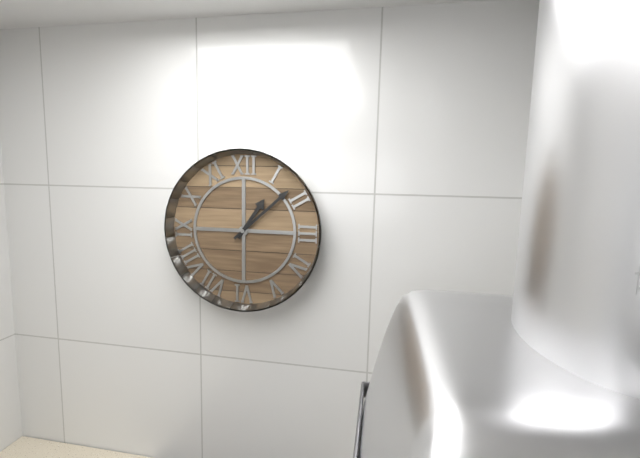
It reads 1.08
